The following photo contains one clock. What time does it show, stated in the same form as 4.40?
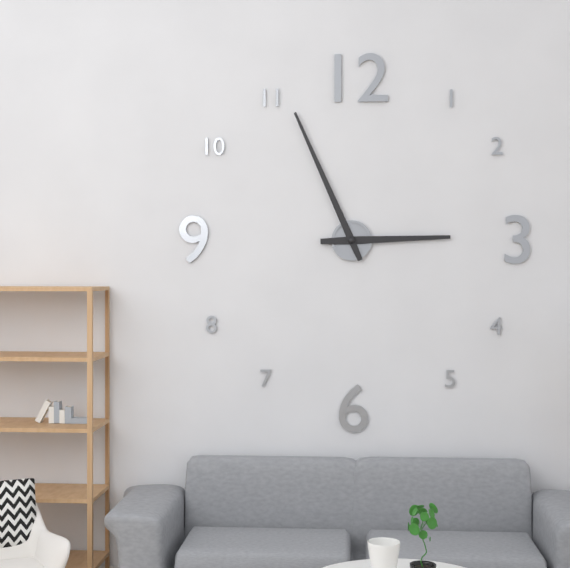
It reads 2.56
